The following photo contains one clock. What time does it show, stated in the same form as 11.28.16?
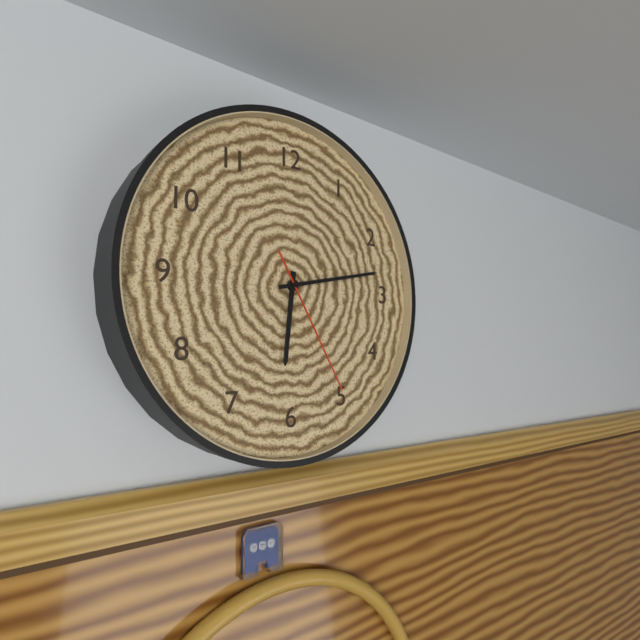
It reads 6.13.25
